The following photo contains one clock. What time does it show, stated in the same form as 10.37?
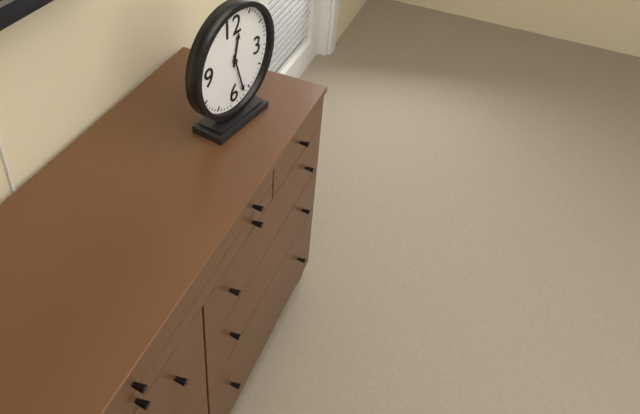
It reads 12.27
